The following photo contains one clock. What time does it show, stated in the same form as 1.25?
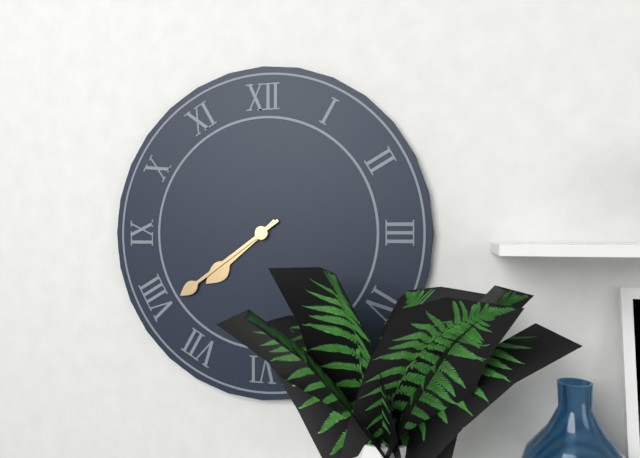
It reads 7.39
